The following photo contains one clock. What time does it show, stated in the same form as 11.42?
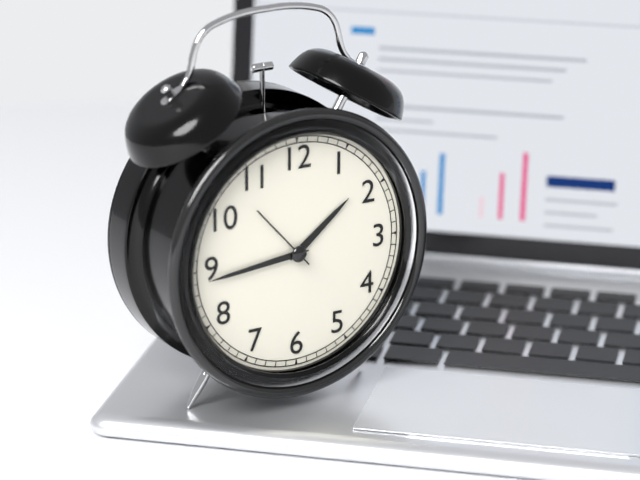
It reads 1.44
